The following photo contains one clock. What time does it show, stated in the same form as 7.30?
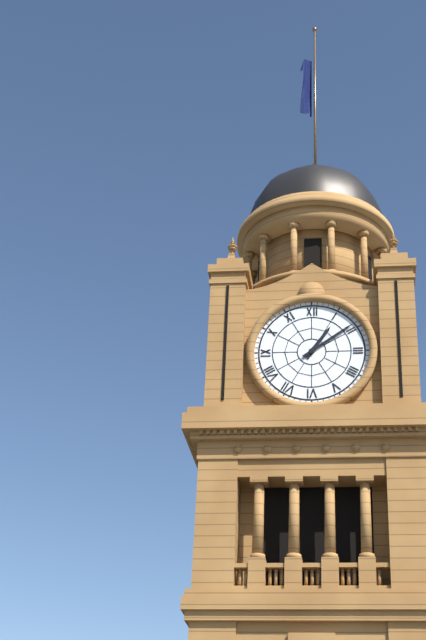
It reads 1.09
